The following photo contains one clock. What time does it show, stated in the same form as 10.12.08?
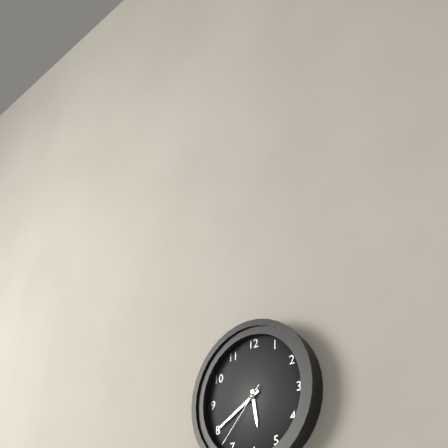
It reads 5.40.37
